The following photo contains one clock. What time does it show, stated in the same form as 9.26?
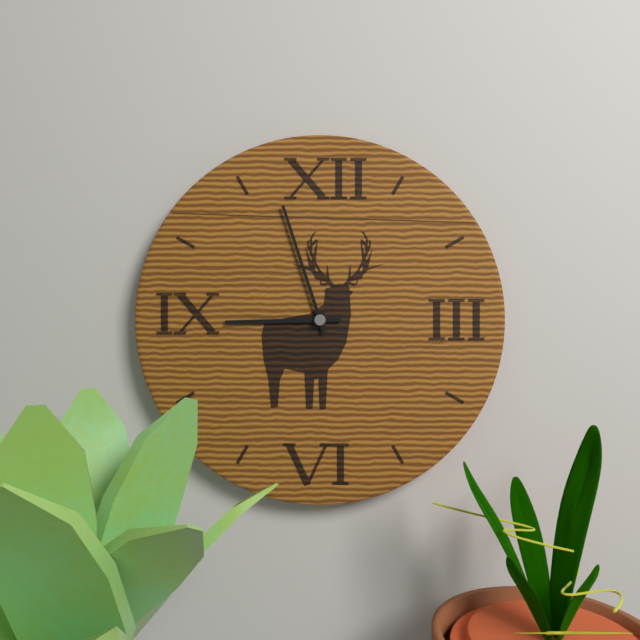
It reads 8.57
